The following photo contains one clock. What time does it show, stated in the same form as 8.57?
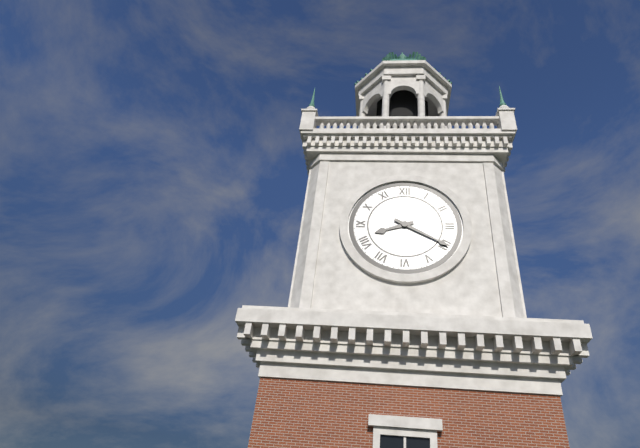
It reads 8.20
